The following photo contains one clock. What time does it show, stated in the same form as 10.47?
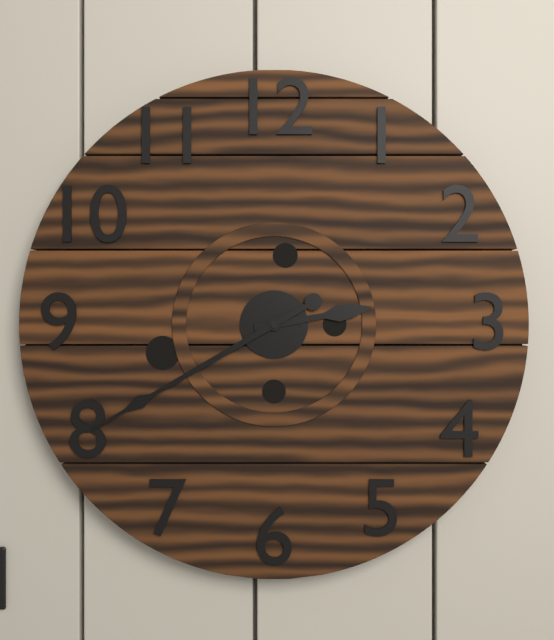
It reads 2.40
